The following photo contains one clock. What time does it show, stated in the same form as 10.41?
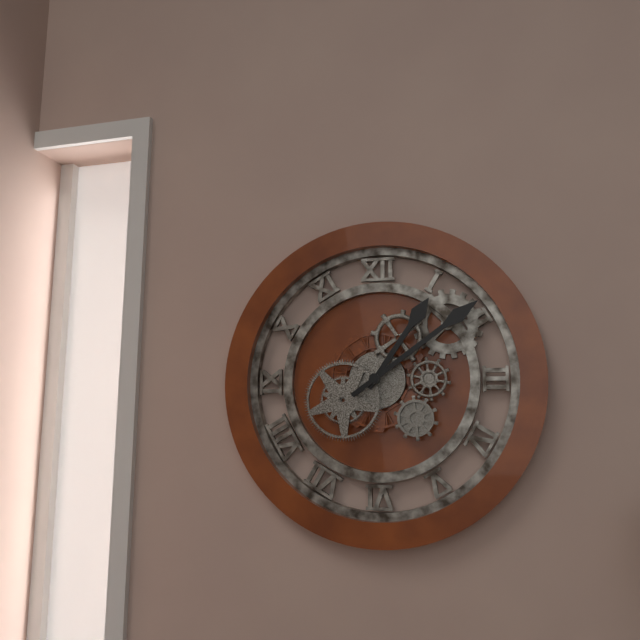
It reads 1.09
